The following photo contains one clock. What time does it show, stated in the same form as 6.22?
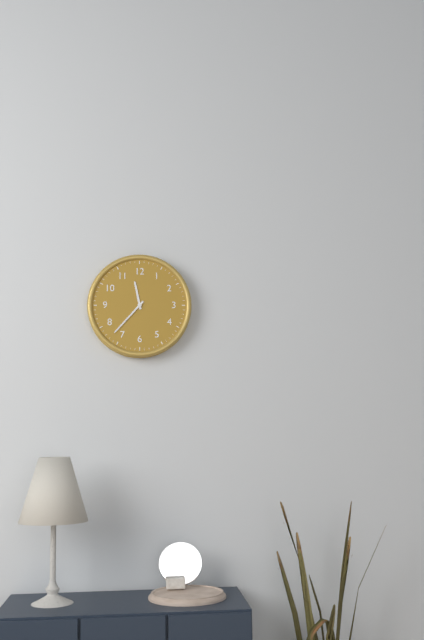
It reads 11.37
